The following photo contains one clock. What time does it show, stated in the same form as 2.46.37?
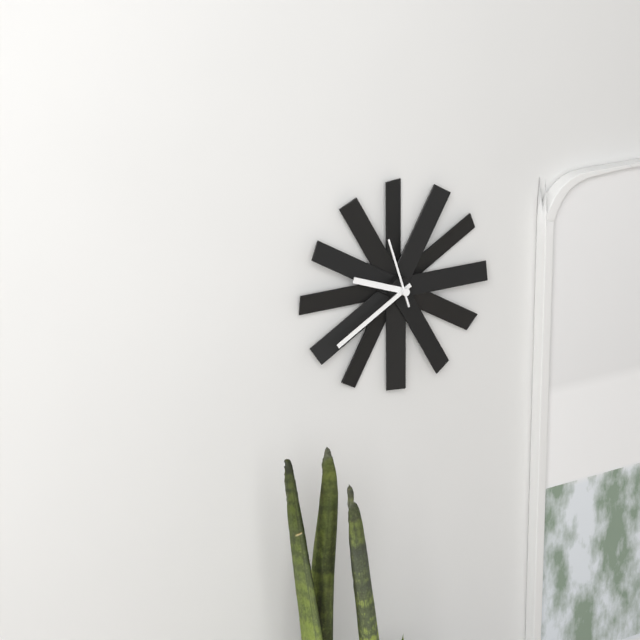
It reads 9.40.57
